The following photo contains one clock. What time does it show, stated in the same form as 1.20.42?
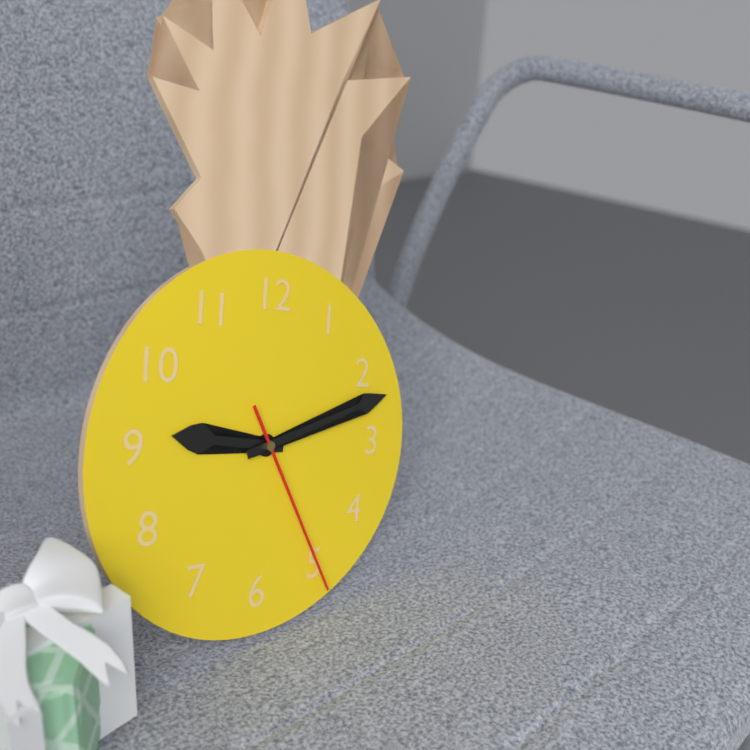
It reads 9.12.25
